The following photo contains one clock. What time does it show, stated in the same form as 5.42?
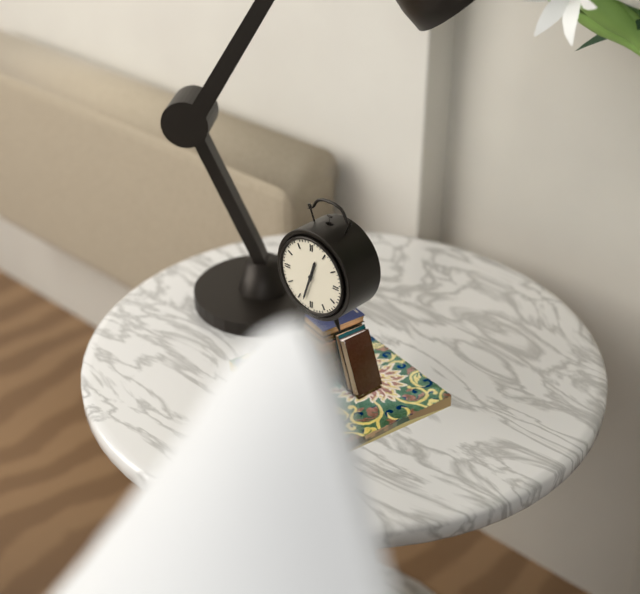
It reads 12.33
